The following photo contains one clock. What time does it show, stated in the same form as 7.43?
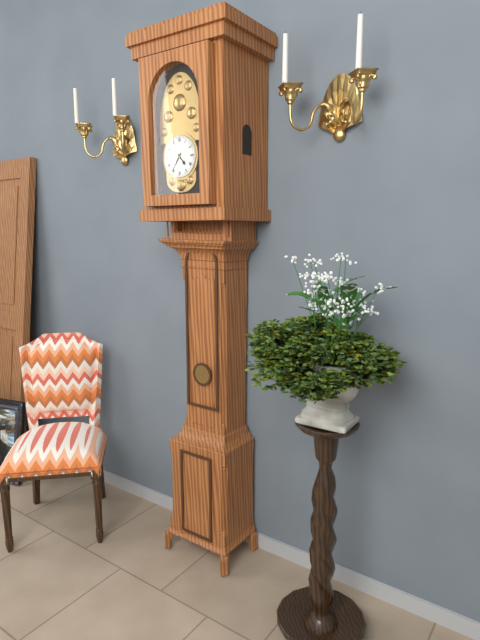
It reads 4.36
